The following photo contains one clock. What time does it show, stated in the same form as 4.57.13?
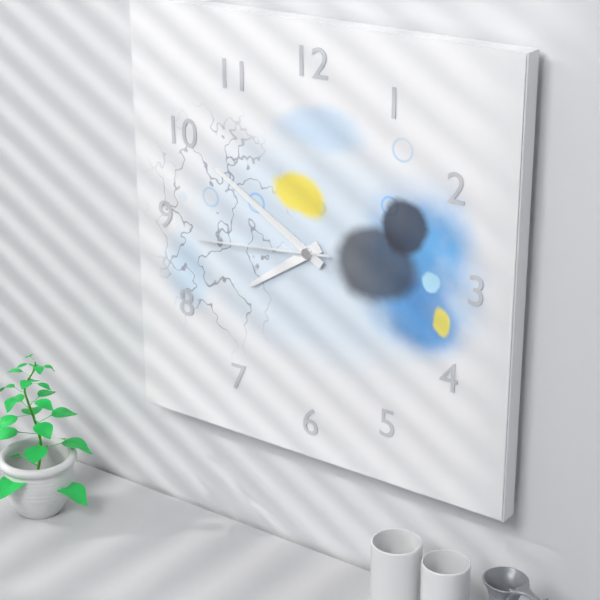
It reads 7.50.44
